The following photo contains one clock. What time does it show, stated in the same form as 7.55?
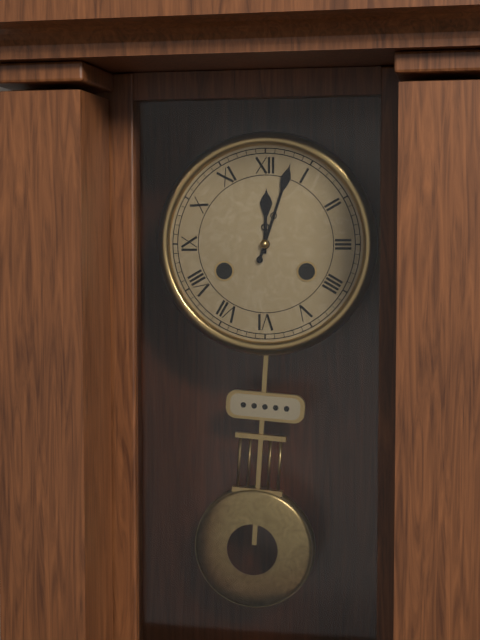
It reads 12.03
